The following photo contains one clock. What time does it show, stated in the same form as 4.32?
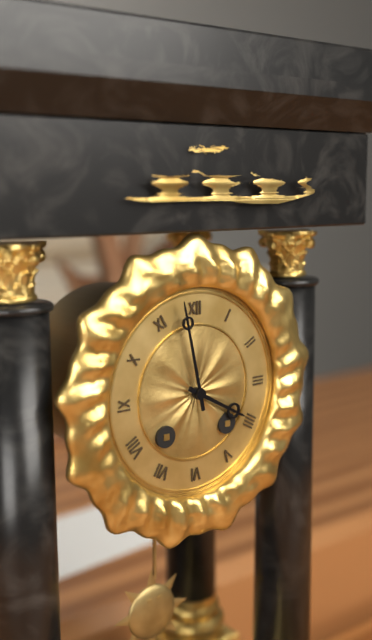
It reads 3.58
